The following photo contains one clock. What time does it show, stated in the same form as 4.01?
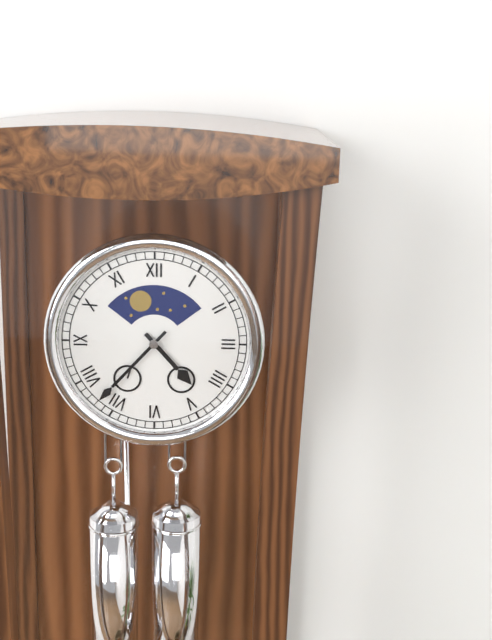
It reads 4.37
